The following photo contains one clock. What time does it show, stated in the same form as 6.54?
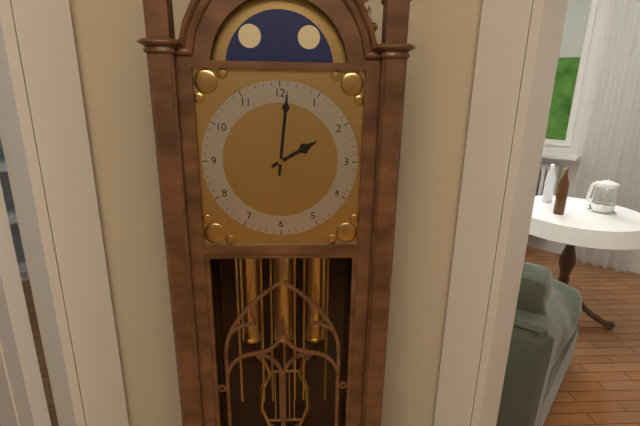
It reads 2.01
